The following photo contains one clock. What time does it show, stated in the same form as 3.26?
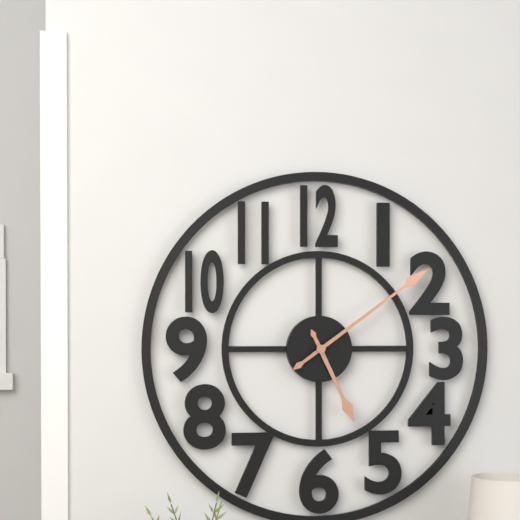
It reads 5.09
